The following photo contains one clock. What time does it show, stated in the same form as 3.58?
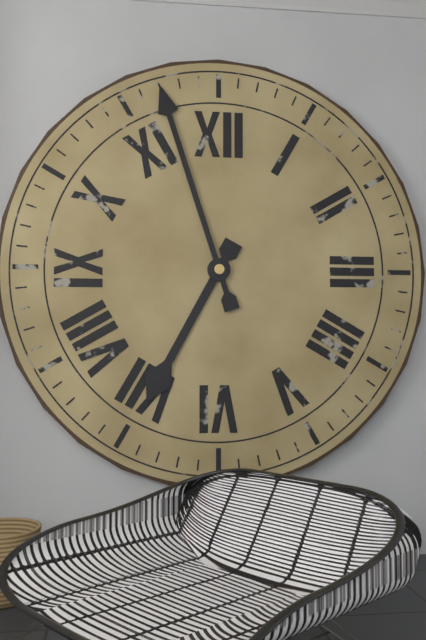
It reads 6.57
